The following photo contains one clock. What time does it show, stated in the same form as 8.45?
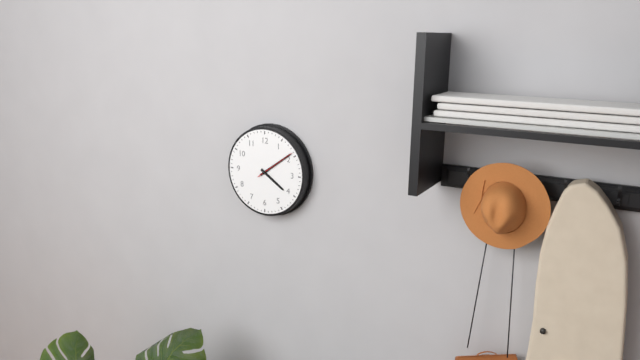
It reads 4.09
